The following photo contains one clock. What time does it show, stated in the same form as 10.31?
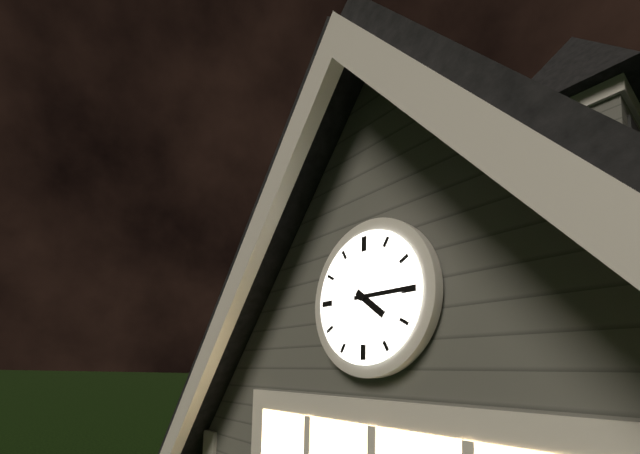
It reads 4.15
